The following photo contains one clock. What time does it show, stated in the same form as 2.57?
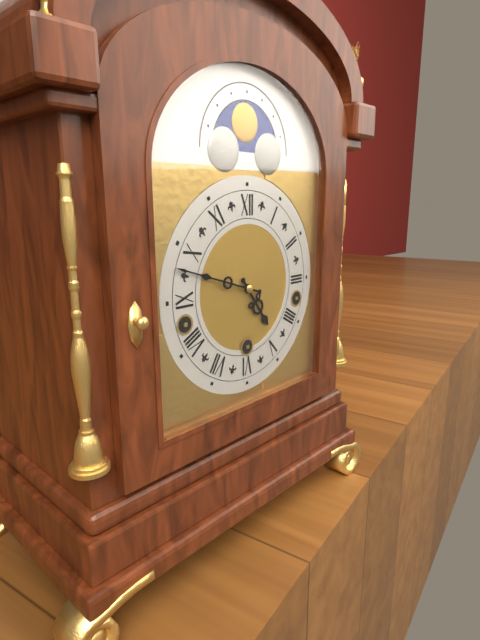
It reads 4.48
